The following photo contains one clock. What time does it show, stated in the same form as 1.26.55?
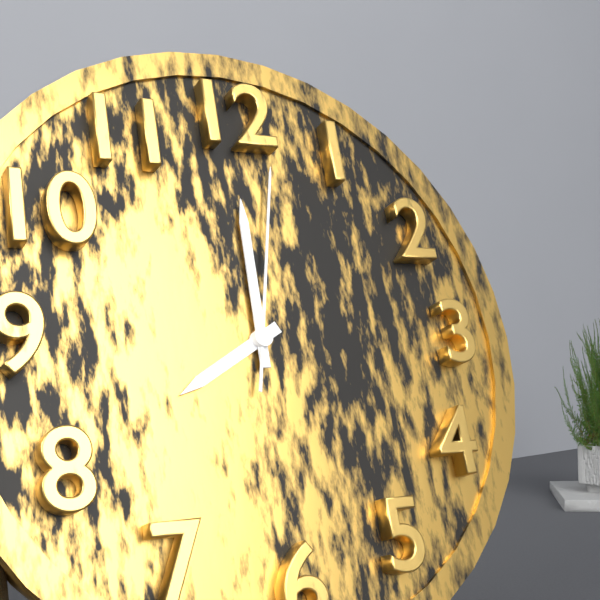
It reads 8.00.02
